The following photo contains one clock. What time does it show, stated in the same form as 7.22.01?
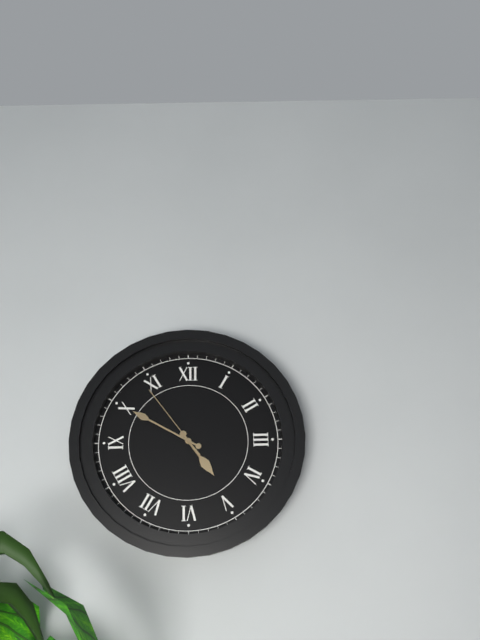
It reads 4.50.54
